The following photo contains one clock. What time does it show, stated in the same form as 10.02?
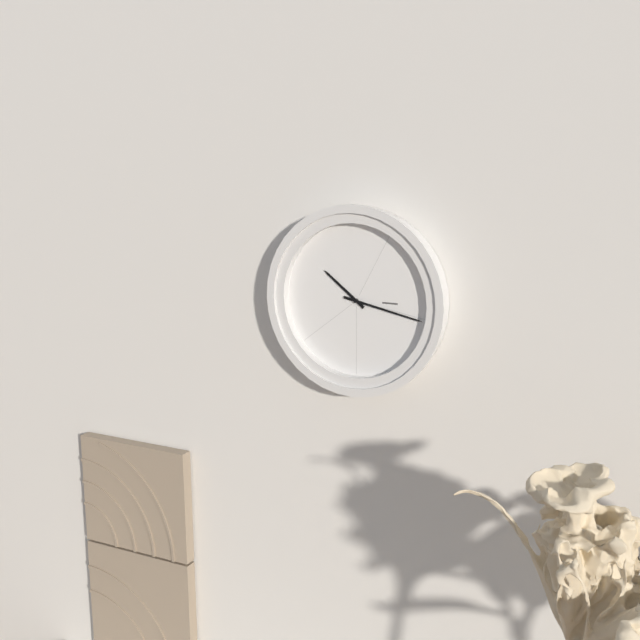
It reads 10.17
